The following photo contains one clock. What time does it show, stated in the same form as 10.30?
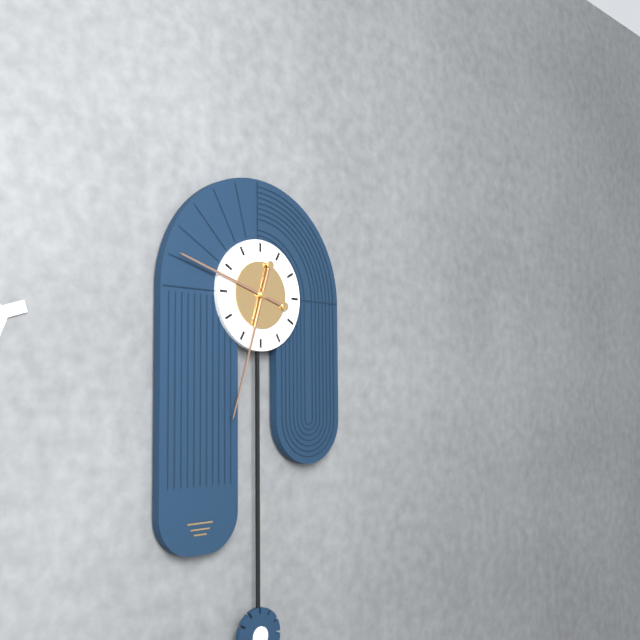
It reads 9.33
